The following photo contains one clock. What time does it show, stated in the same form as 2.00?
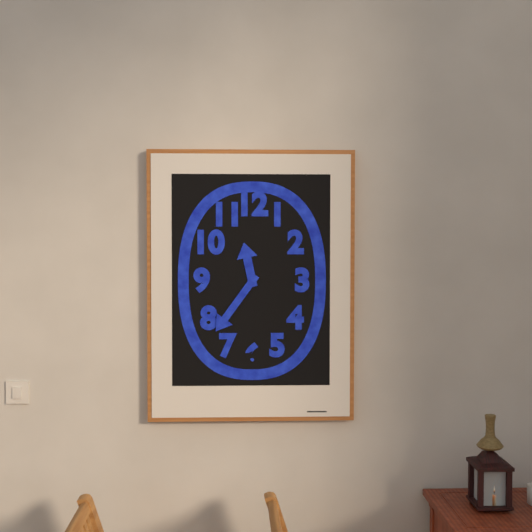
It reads 11.36
